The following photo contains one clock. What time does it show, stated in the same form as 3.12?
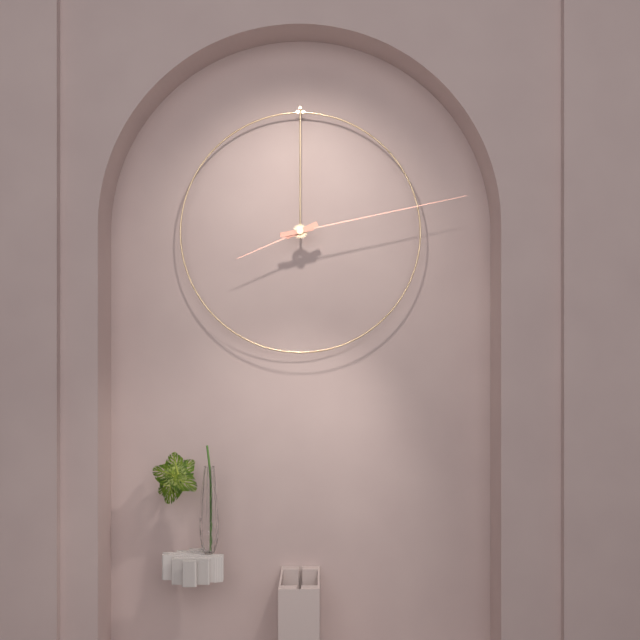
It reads 8.13
